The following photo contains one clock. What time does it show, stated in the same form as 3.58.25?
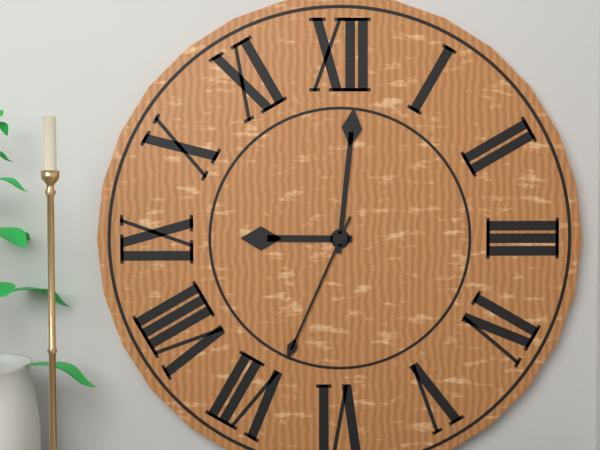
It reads 9.01.34
